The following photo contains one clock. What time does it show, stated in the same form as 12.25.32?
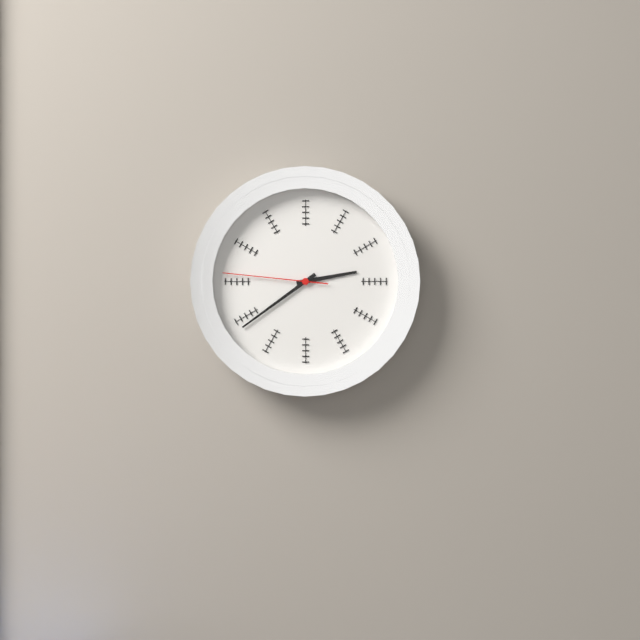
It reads 2.39.46
